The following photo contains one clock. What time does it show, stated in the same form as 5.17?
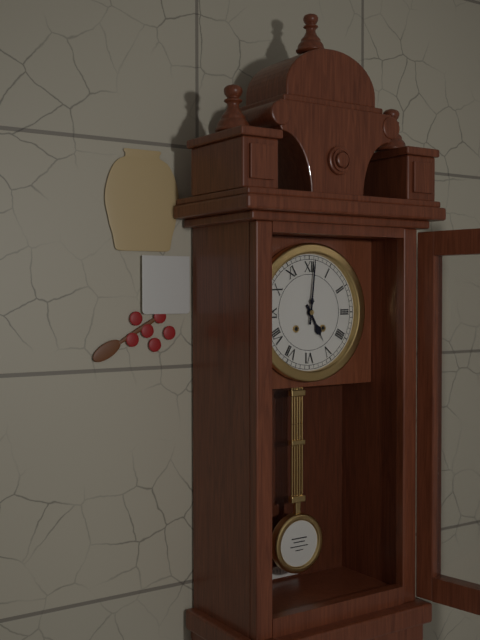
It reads 5.01
